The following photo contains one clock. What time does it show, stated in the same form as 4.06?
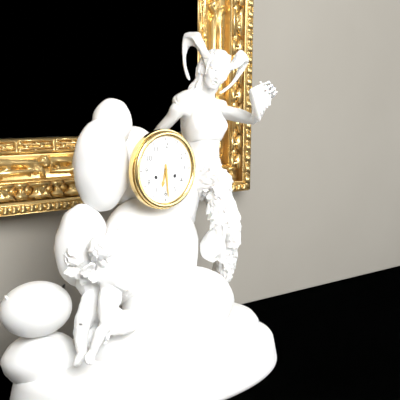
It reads 6.29
